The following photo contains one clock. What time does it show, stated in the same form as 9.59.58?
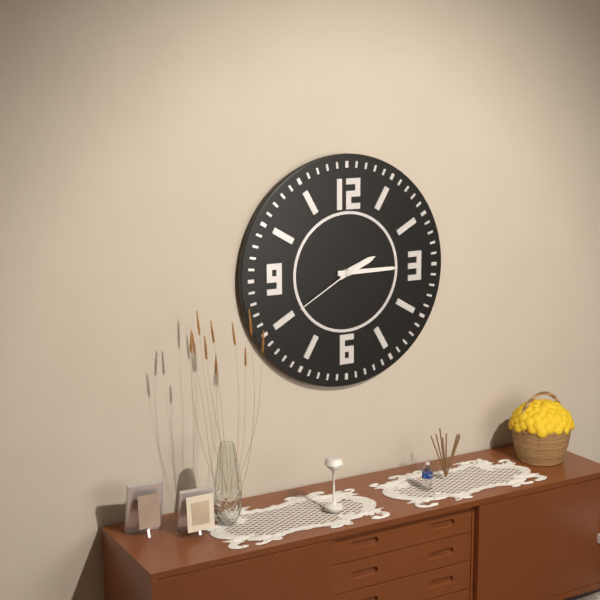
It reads 2.15.40
